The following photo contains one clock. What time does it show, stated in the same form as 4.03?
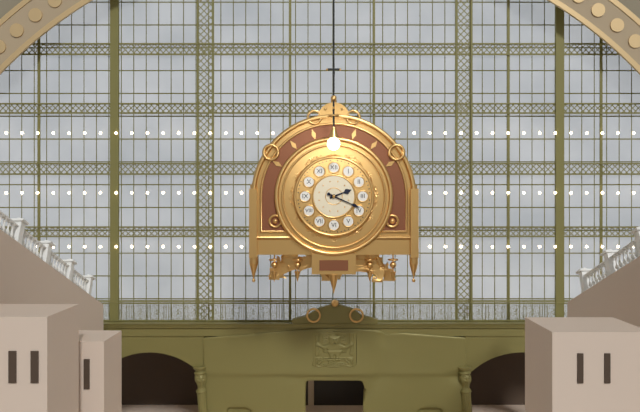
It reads 2.19
